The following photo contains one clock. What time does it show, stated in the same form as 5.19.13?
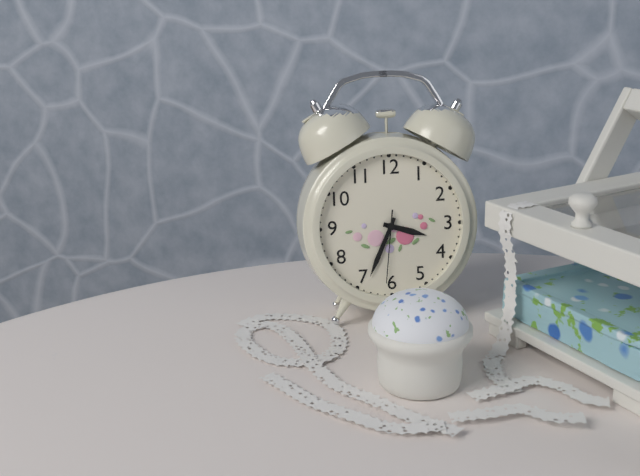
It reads 3.34.31
